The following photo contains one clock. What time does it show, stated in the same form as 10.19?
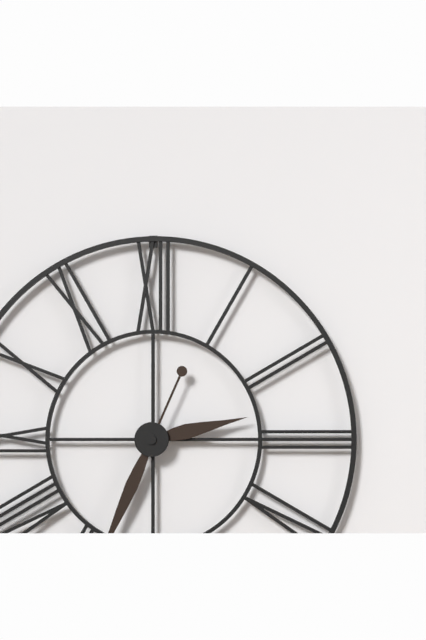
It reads 2.34
